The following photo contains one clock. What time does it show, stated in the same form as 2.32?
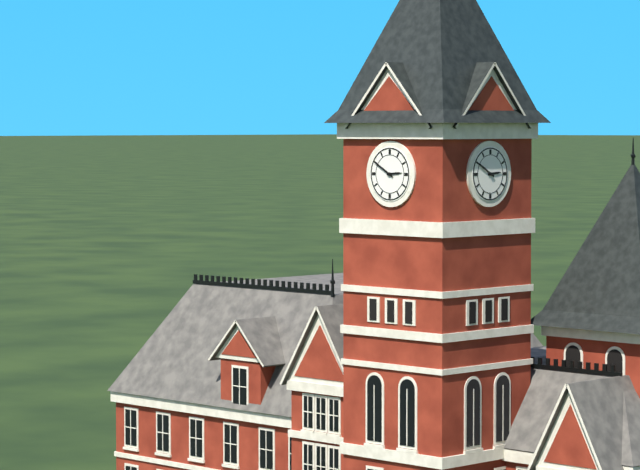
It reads 2.50
